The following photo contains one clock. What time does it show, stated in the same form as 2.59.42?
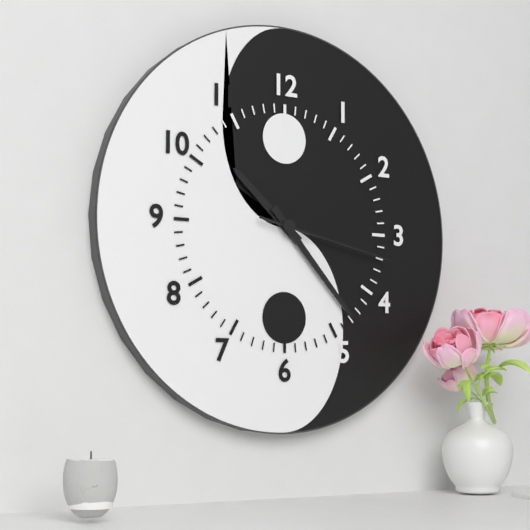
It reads 10.23.17
